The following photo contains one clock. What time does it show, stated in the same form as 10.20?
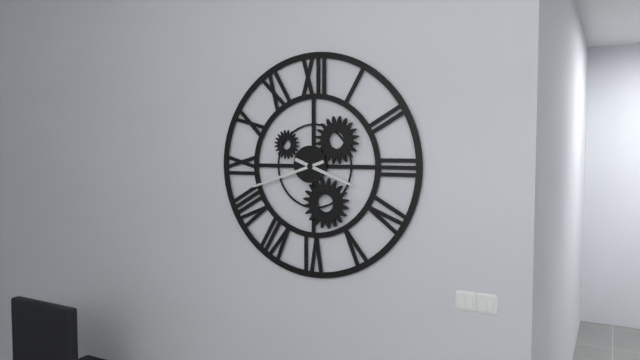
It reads 3.42
